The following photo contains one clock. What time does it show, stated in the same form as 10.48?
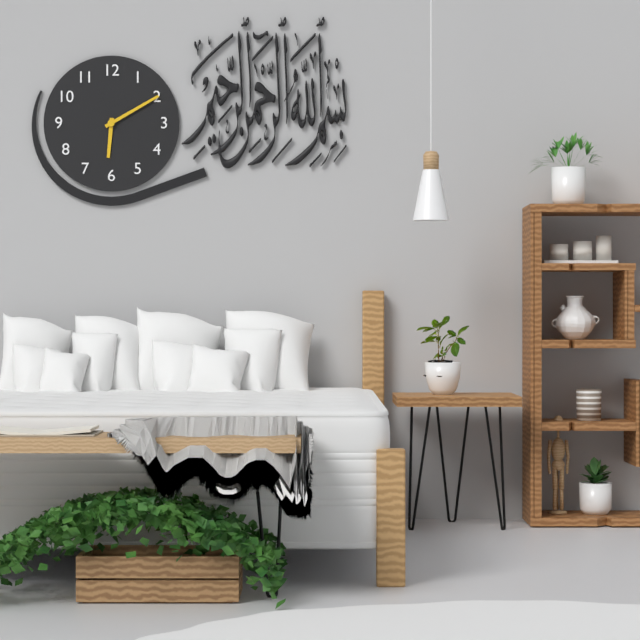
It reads 6.10
